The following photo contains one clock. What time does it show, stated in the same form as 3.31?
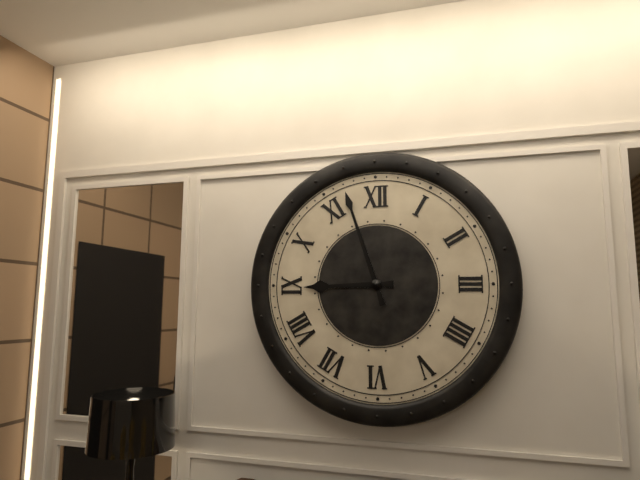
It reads 8.57
